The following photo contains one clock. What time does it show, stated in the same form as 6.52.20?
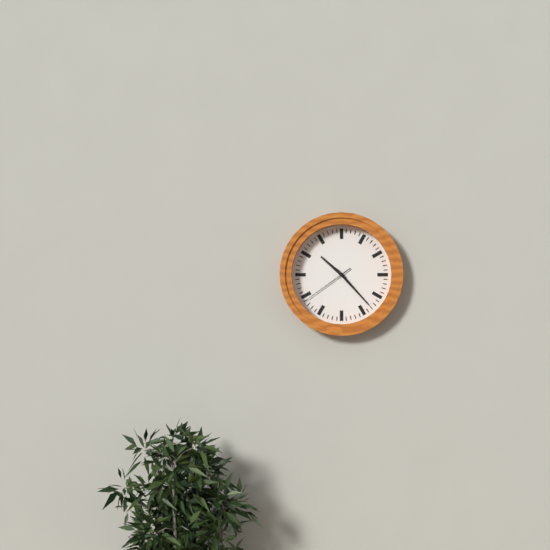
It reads 10.23.39
